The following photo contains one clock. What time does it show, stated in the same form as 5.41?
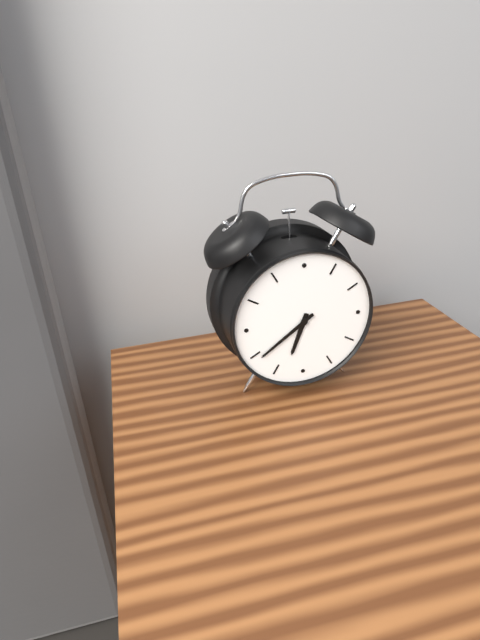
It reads 6.39
